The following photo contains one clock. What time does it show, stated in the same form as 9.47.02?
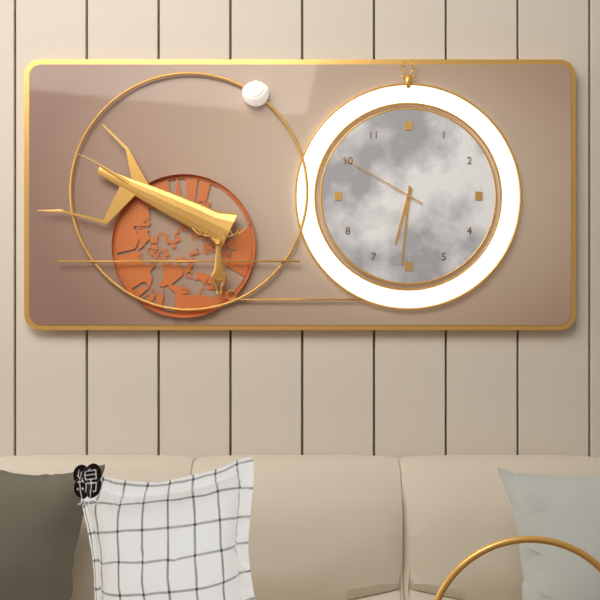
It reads 6.31.50
